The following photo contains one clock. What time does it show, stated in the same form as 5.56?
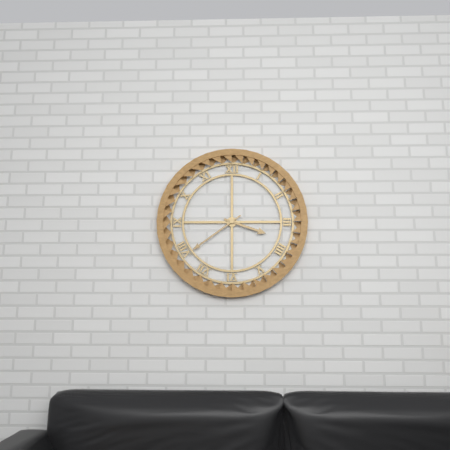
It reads 3.39
